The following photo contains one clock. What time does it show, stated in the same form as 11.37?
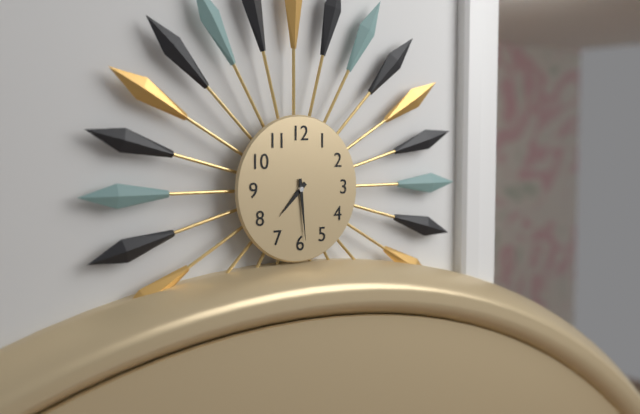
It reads 7.29
